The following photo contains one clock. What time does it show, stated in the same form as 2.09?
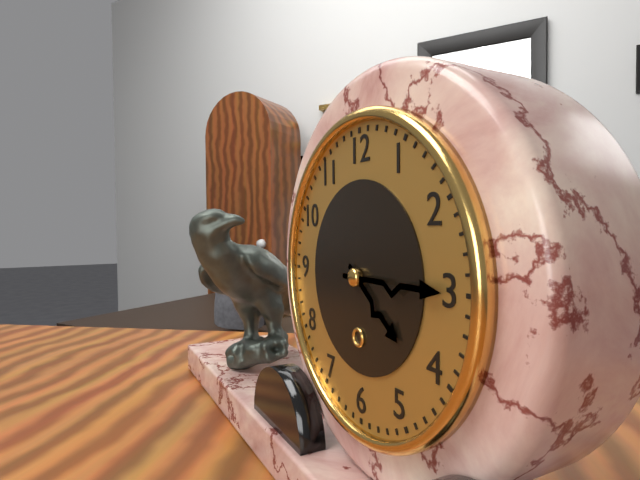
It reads 4.15
